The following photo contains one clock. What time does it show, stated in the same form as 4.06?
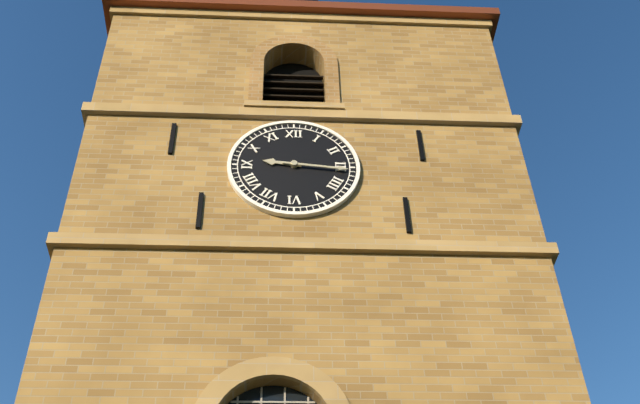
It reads 9.16
